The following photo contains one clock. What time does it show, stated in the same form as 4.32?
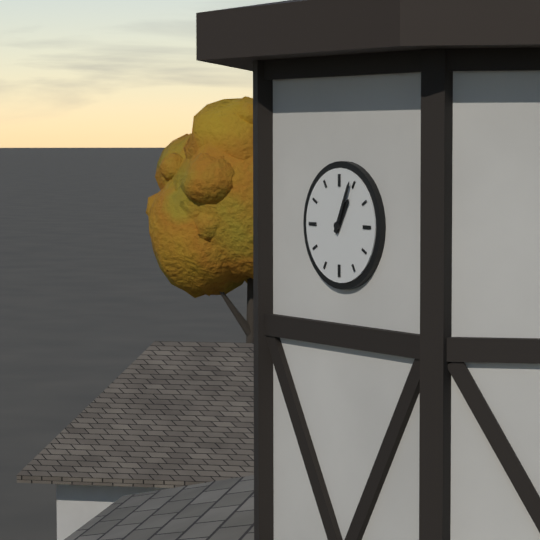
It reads 1.04
